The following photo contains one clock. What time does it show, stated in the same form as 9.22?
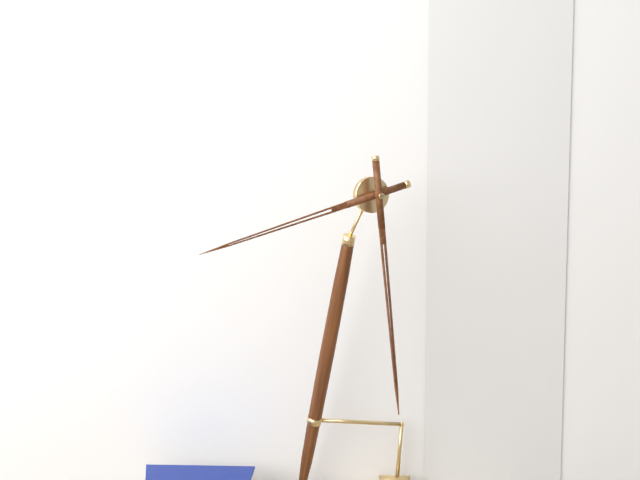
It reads 8.29
